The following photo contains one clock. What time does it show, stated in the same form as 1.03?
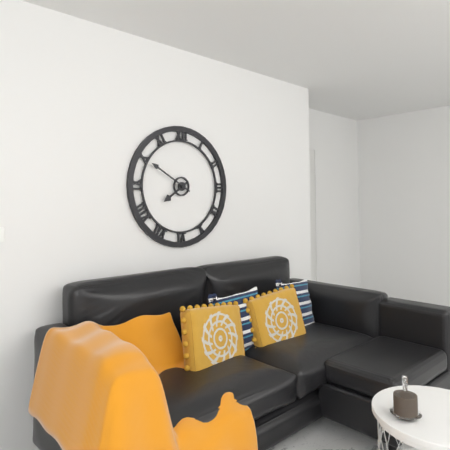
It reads 7.50
